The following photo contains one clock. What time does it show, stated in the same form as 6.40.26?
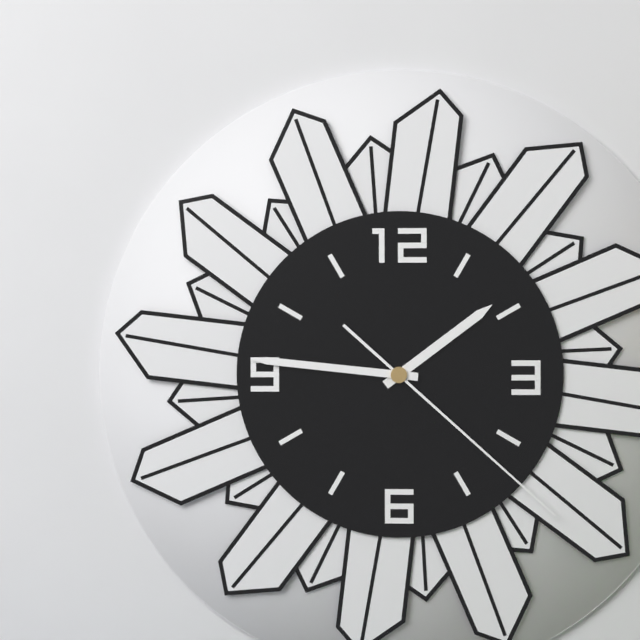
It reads 1.46.22
